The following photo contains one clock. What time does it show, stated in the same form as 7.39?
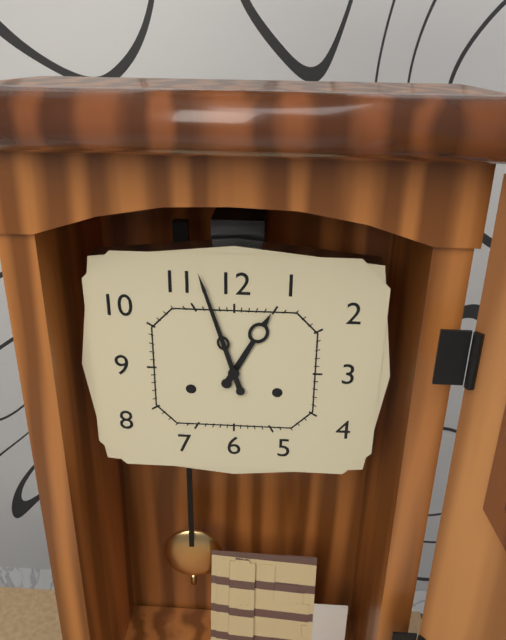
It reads 12.57
